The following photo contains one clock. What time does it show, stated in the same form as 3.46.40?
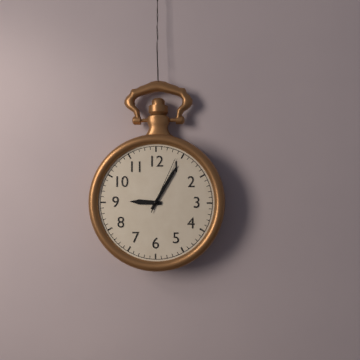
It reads 9.05.04
